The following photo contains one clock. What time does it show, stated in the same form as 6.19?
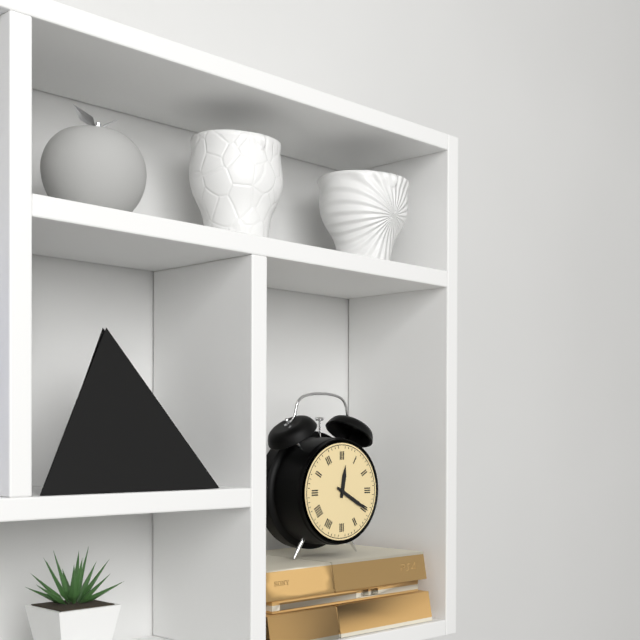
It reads 12.20
